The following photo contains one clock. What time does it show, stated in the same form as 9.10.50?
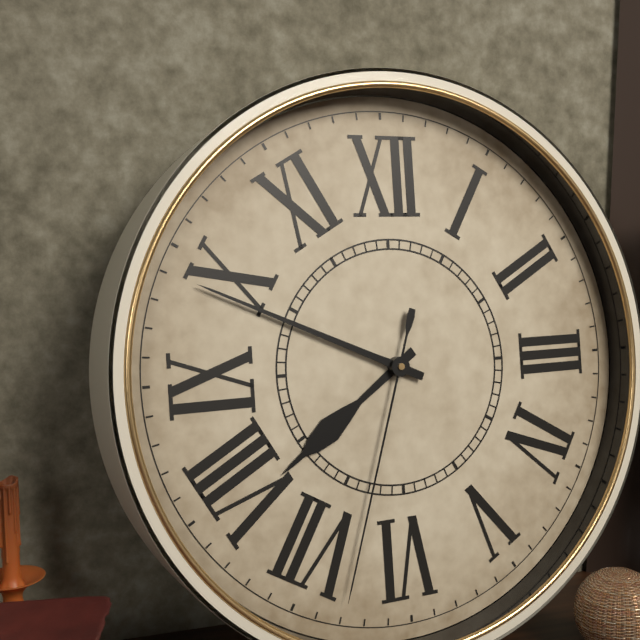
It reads 7.49.33
